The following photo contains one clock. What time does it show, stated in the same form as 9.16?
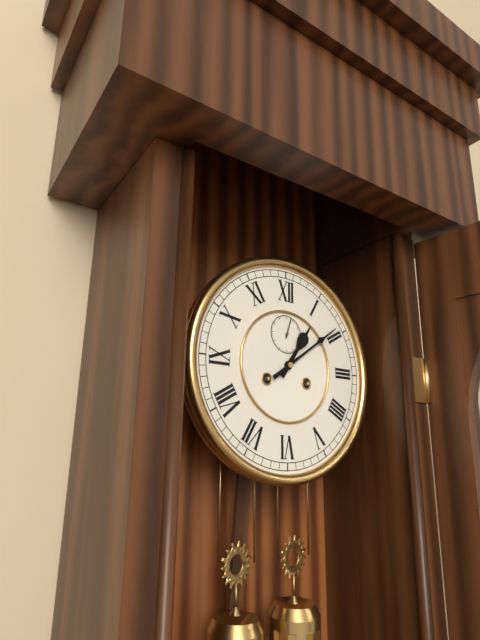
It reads 1.09
